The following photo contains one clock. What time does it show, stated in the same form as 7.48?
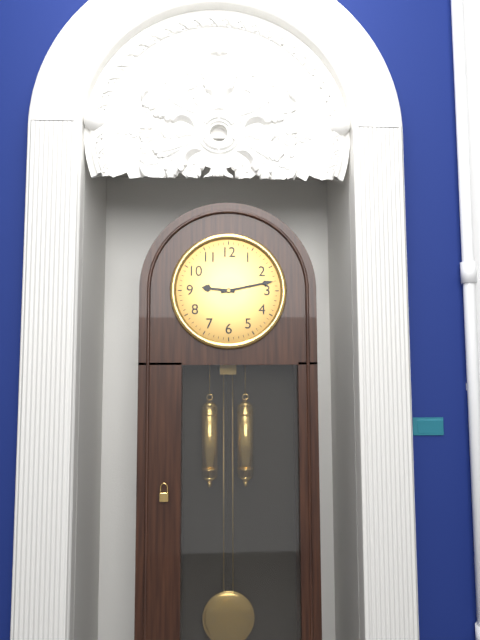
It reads 9.13
